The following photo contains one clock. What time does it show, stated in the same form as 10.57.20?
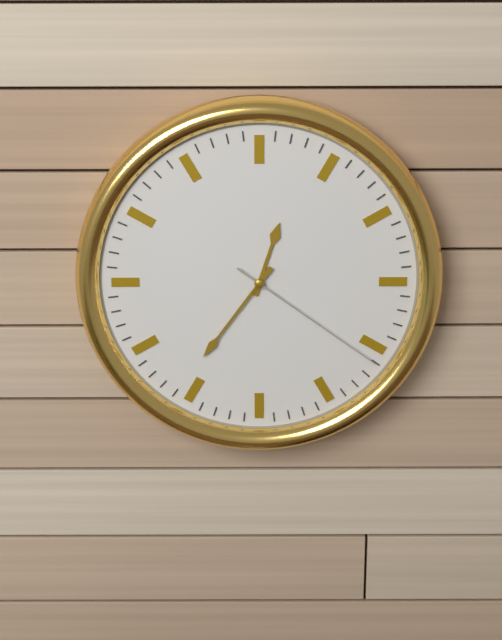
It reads 12.36.21
